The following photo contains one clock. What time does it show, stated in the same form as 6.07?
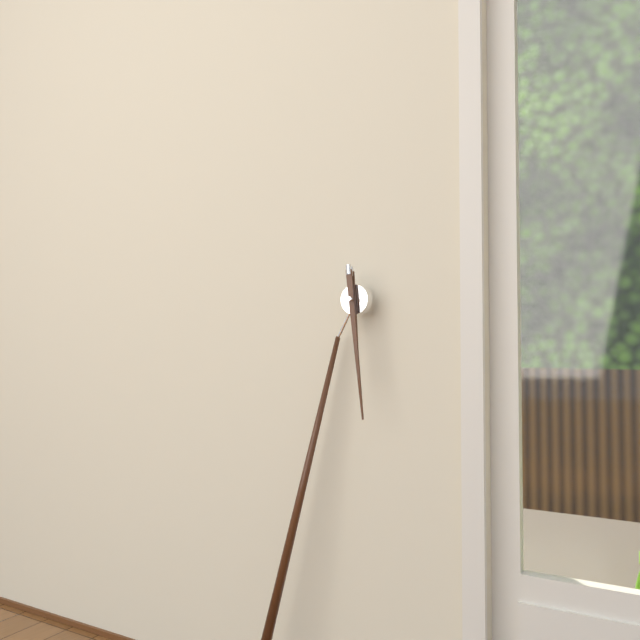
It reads 5.27
